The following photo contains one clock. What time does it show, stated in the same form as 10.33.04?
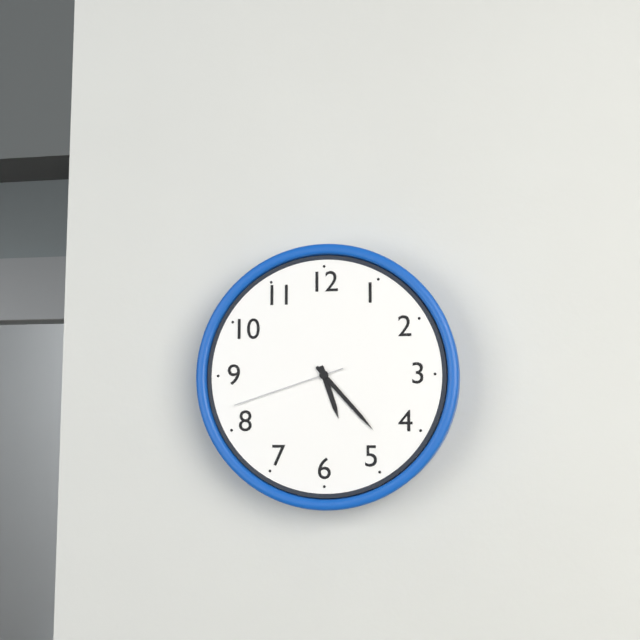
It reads 5.23.42
